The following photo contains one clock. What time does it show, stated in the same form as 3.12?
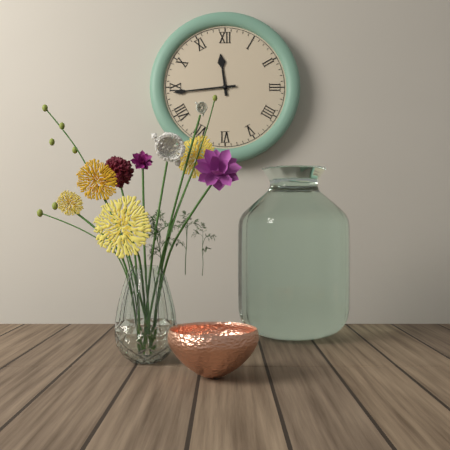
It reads 11.44
